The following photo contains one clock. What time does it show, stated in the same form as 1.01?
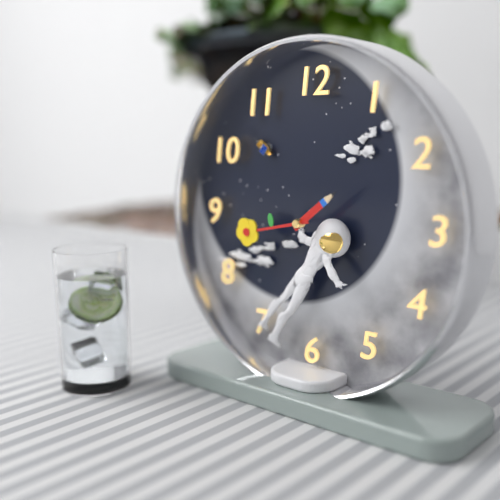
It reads 1.43
